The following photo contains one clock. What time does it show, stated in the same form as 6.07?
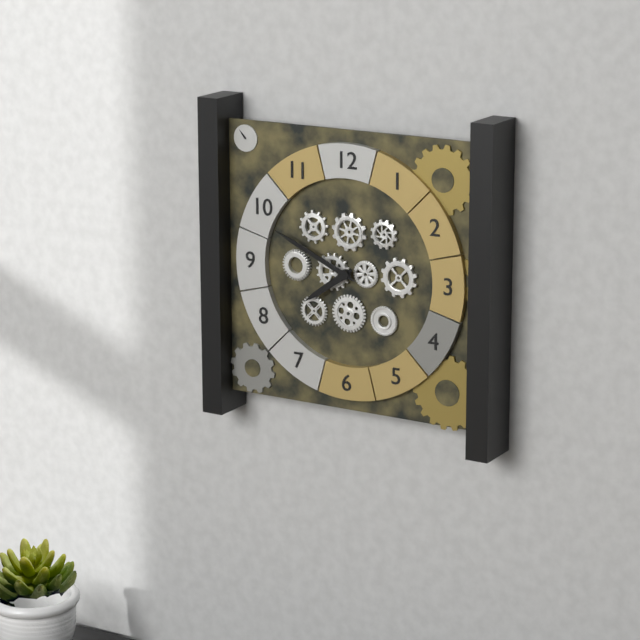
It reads 7.49
